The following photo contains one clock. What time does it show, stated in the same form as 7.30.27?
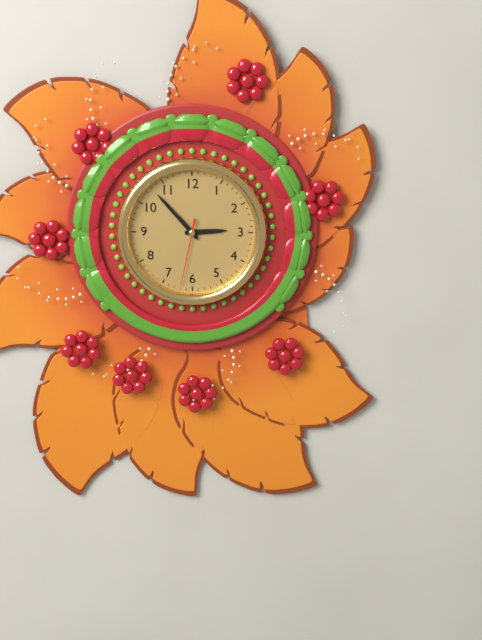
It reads 2.53.32
